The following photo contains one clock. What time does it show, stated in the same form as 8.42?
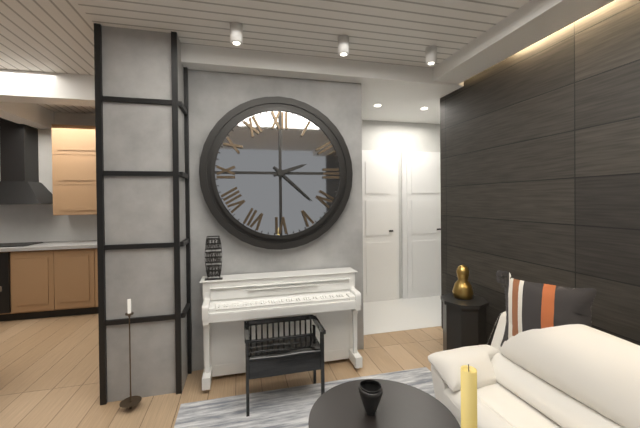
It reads 2.22
